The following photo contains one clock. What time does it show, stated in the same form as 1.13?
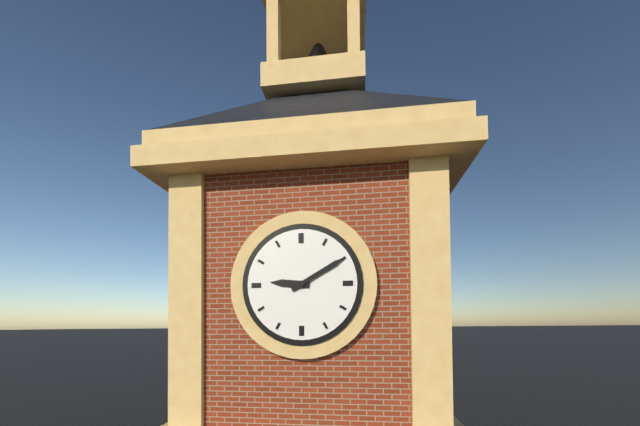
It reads 9.10
